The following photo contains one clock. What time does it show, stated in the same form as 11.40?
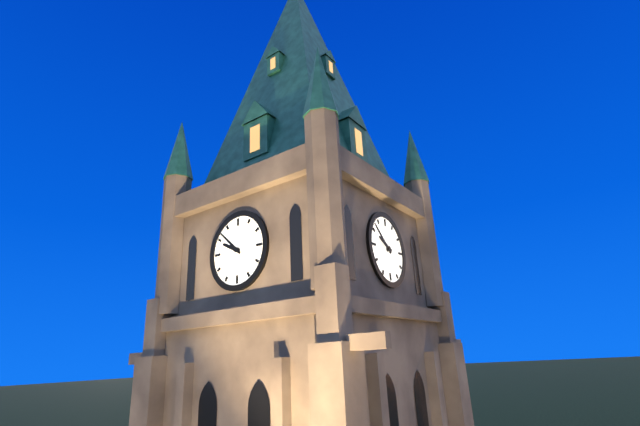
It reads 9.52
